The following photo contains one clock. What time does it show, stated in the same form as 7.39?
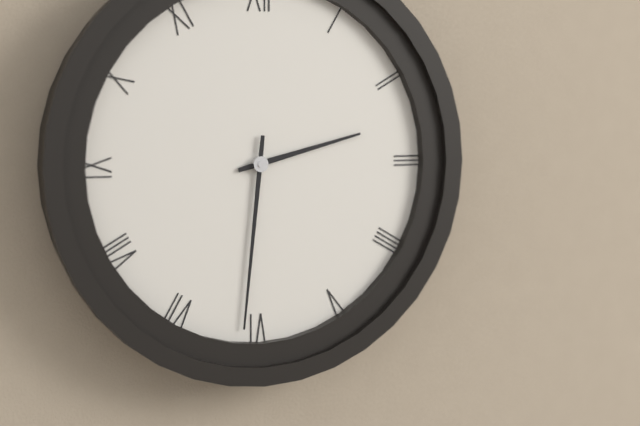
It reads 2.31
